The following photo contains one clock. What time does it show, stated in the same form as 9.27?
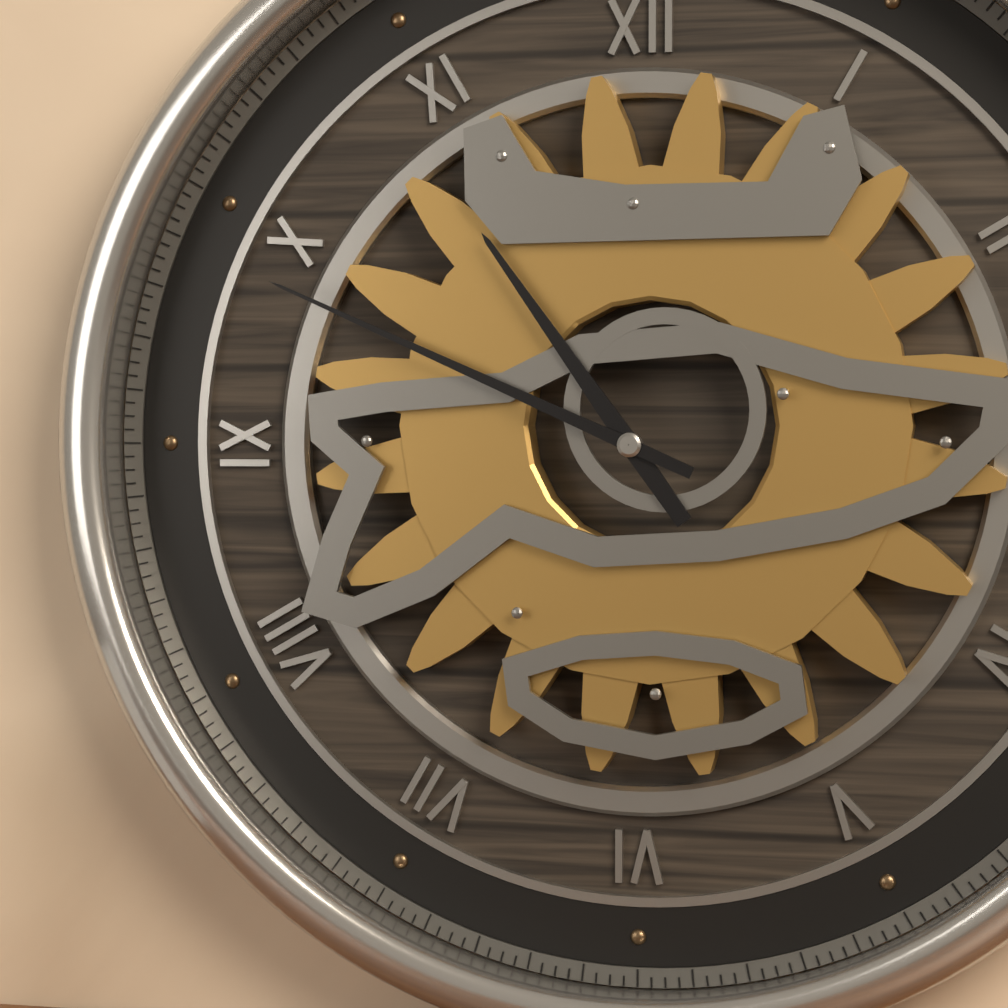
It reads 10.49
